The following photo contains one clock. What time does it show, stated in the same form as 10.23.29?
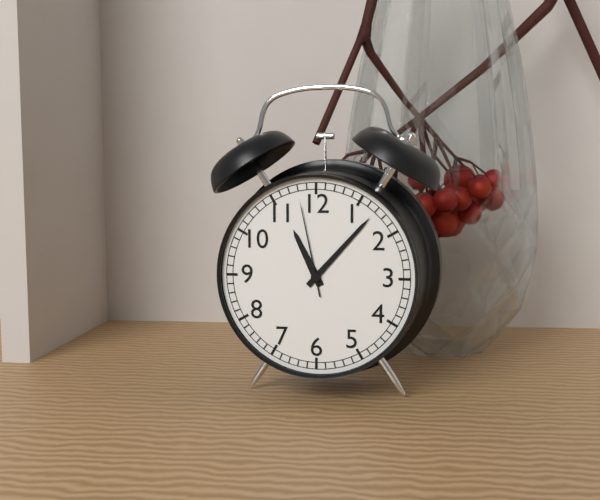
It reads 11.07.58
